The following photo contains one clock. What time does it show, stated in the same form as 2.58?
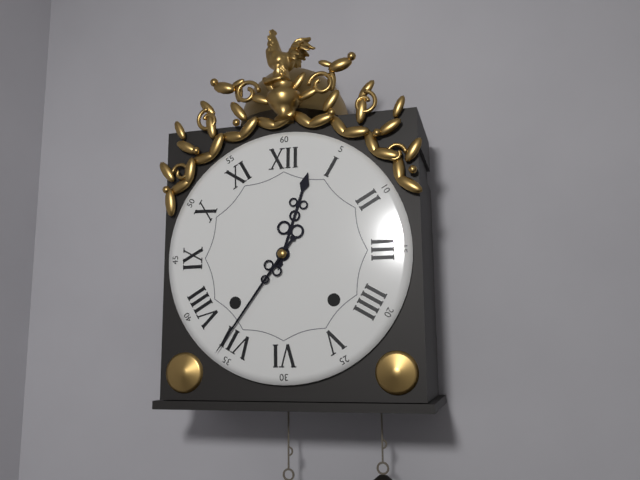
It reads 12.36
